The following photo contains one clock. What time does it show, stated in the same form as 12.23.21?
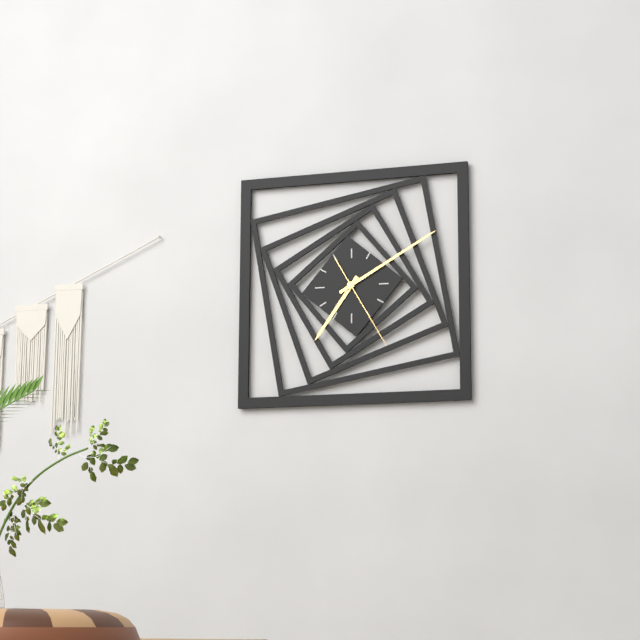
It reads 7.10.25
